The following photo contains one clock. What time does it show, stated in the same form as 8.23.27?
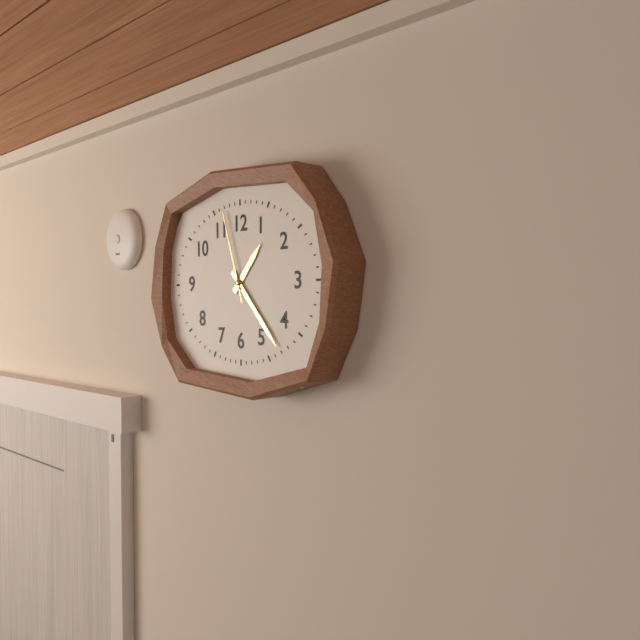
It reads 1.23.57
